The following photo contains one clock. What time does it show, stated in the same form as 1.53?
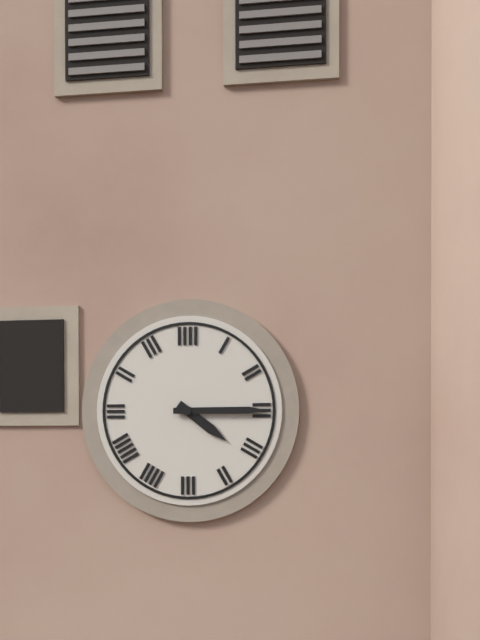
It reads 4.15
